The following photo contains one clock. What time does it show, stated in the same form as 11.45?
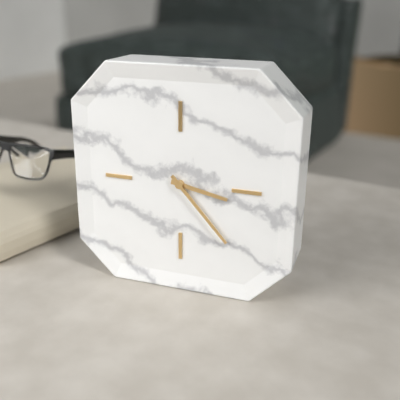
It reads 3.23
